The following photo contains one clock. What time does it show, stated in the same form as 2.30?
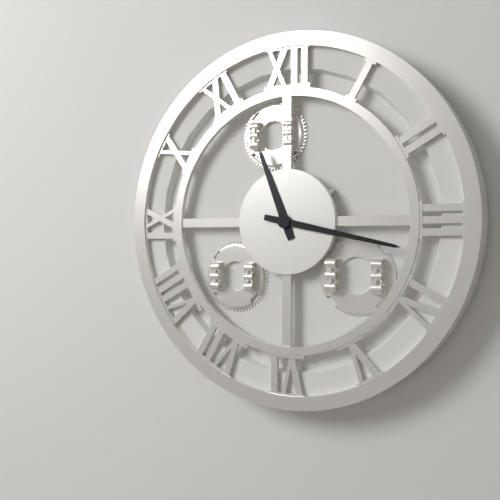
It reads 11.17
